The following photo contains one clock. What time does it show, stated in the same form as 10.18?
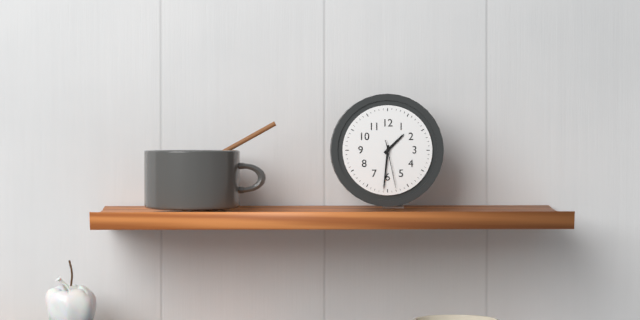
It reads 1.31
